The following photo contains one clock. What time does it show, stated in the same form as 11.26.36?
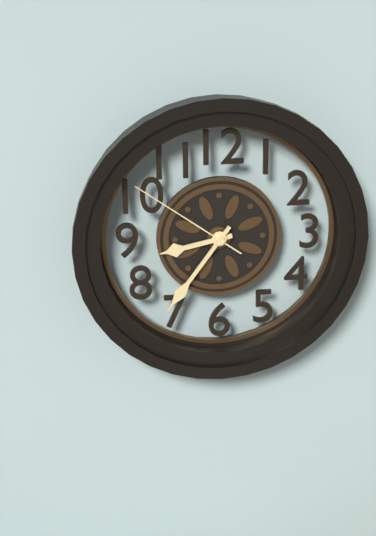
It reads 8.36.51
